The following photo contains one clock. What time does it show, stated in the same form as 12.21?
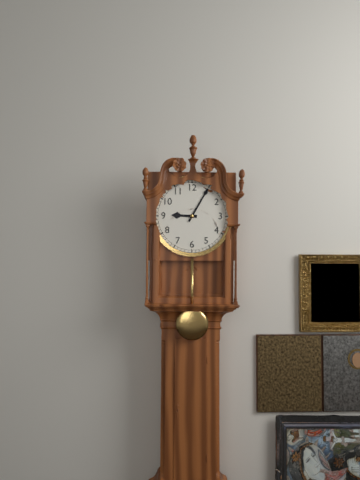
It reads 9.05
